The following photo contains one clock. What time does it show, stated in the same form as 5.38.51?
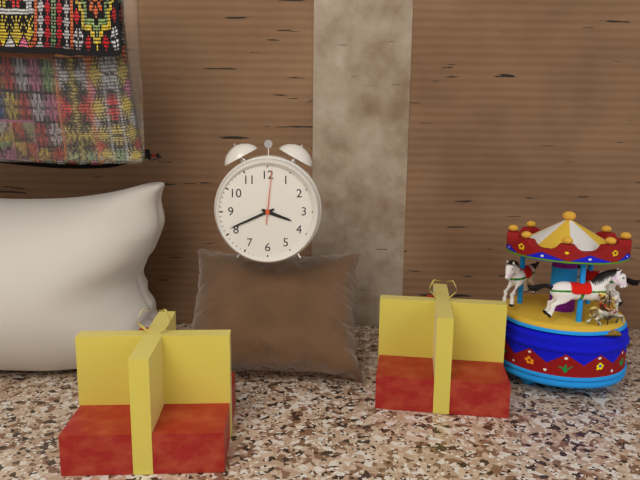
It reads 3.41.01
